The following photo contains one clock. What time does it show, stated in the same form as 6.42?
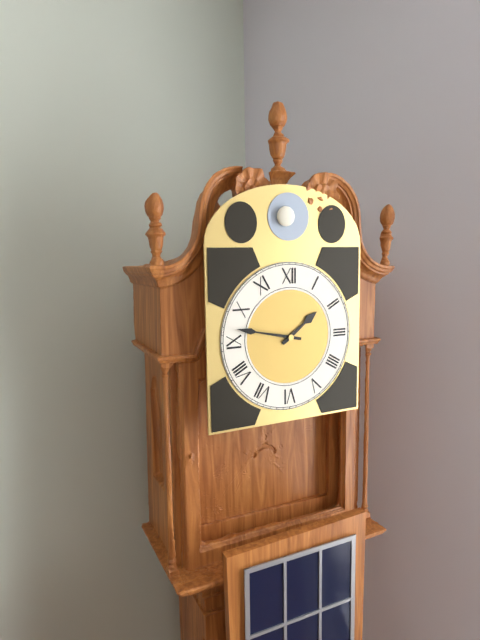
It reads 1.47
